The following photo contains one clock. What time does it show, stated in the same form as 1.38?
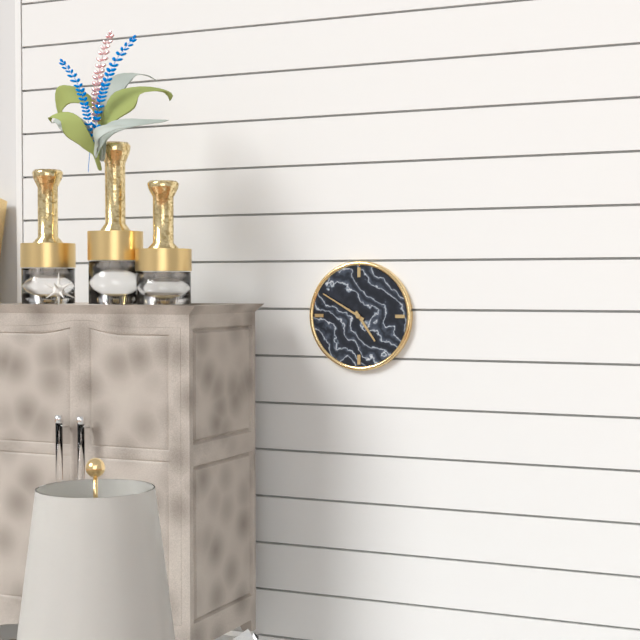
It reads 4.50
